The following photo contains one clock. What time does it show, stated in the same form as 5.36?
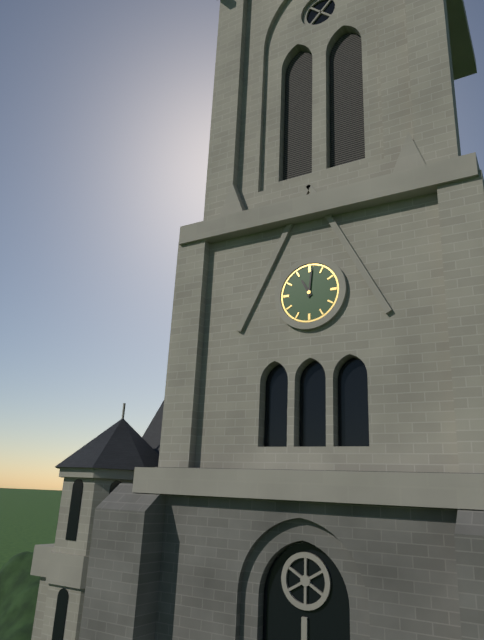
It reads 11.01
